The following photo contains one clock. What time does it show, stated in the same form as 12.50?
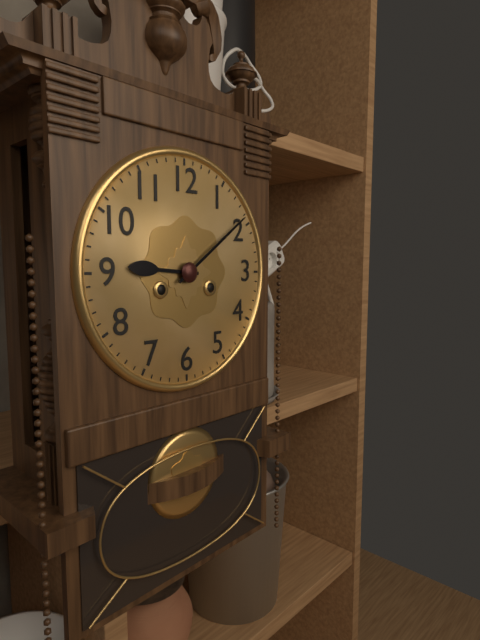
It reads 9.09
